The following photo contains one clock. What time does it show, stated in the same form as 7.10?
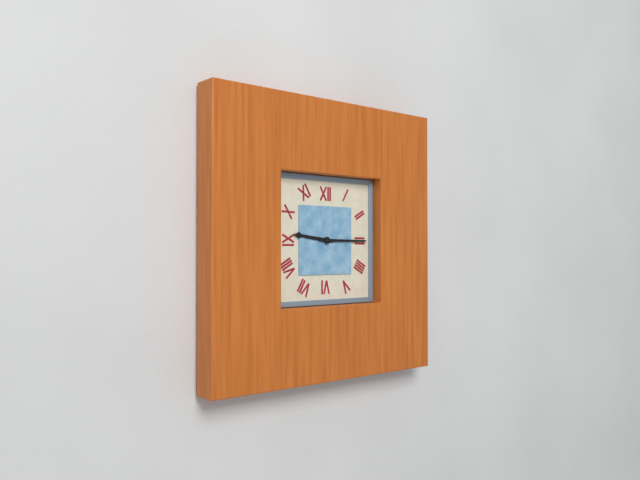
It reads 9.15
